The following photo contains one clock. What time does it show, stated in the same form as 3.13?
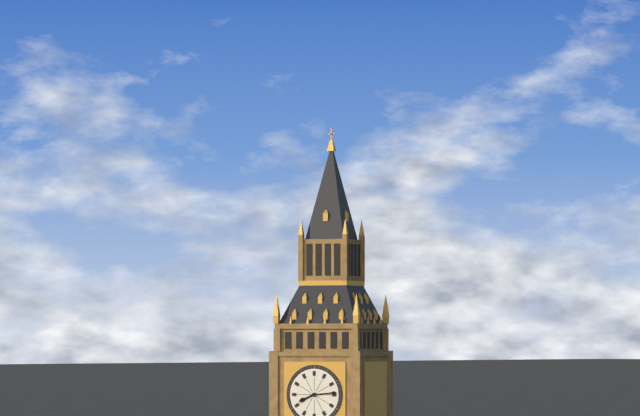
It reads 8.14
